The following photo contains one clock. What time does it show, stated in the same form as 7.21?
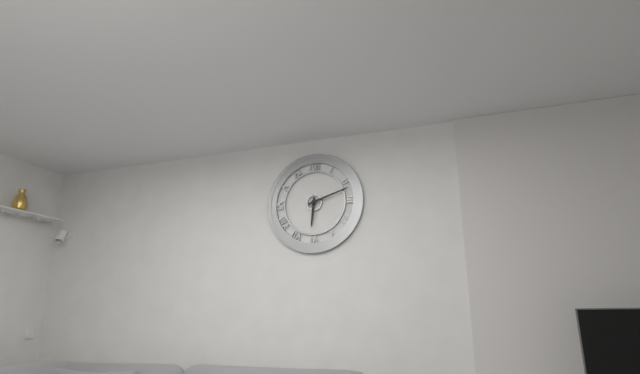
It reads 6.12
